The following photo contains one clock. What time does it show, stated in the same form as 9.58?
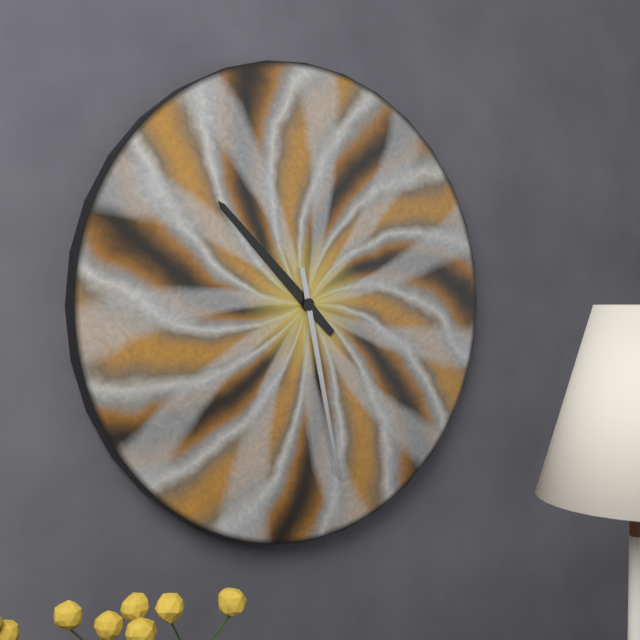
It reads 10.28
